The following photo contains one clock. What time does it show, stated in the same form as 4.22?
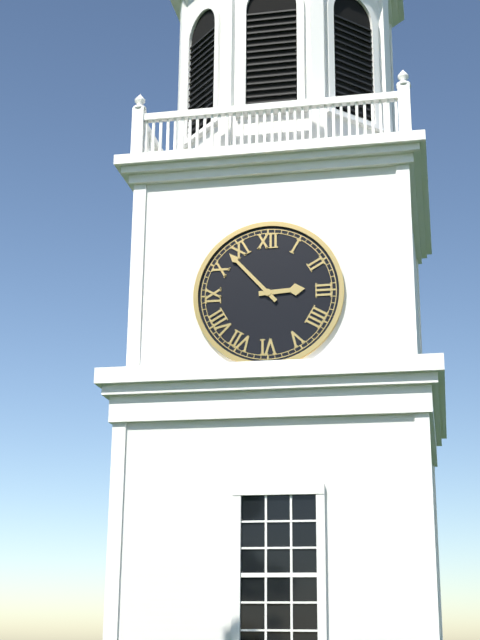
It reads 2.53
